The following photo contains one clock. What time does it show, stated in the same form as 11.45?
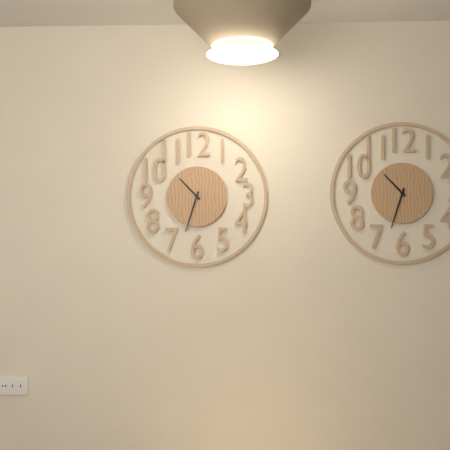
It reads 10.33
